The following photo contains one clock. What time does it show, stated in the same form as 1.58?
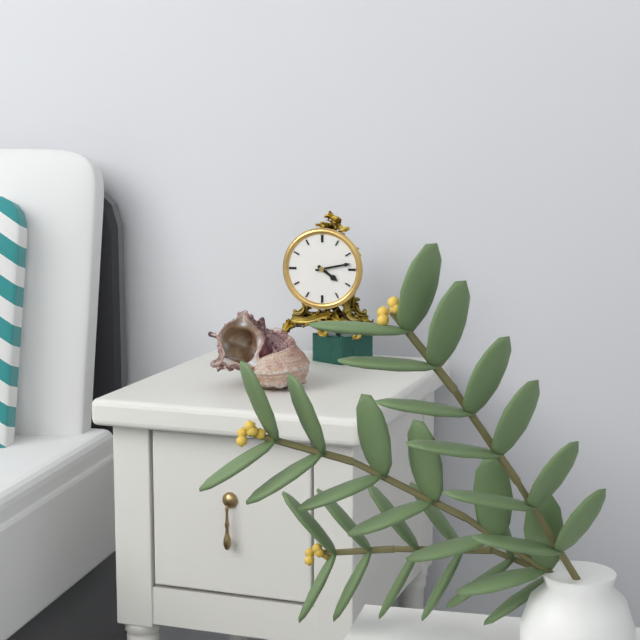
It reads 4.13
